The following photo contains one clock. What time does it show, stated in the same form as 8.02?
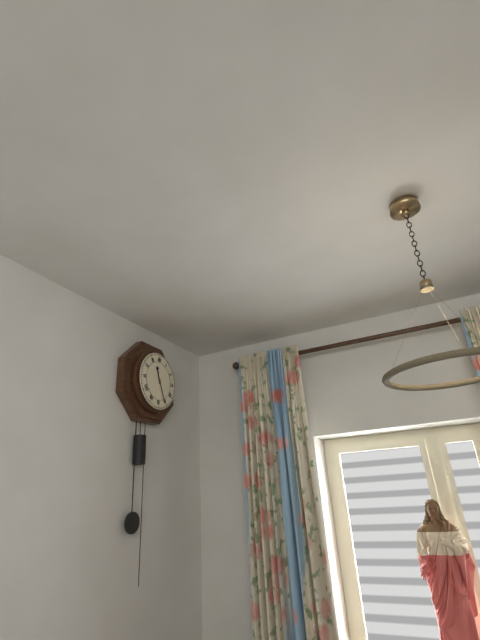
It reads 11.26
